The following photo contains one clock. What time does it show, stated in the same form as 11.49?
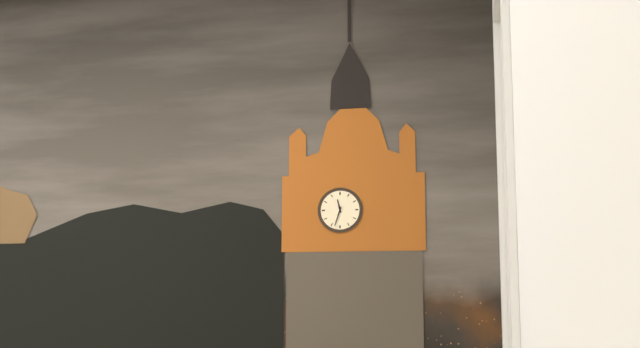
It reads 11.33
